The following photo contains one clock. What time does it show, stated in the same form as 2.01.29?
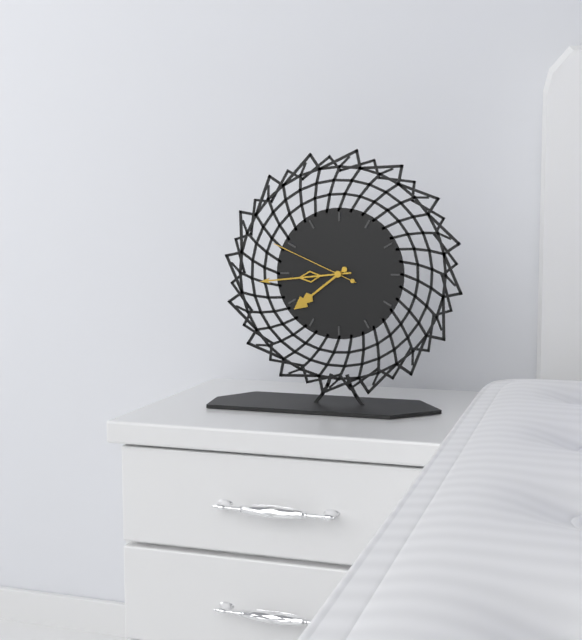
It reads 7.44.49
